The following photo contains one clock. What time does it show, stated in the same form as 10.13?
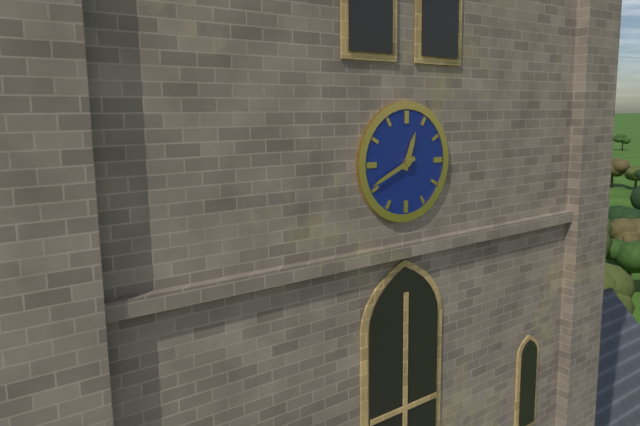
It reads 12.41
